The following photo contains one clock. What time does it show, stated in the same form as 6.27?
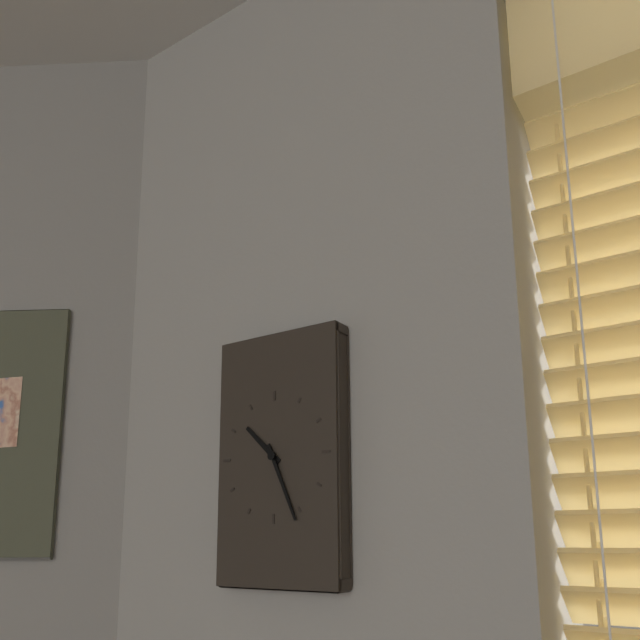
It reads 10.26
